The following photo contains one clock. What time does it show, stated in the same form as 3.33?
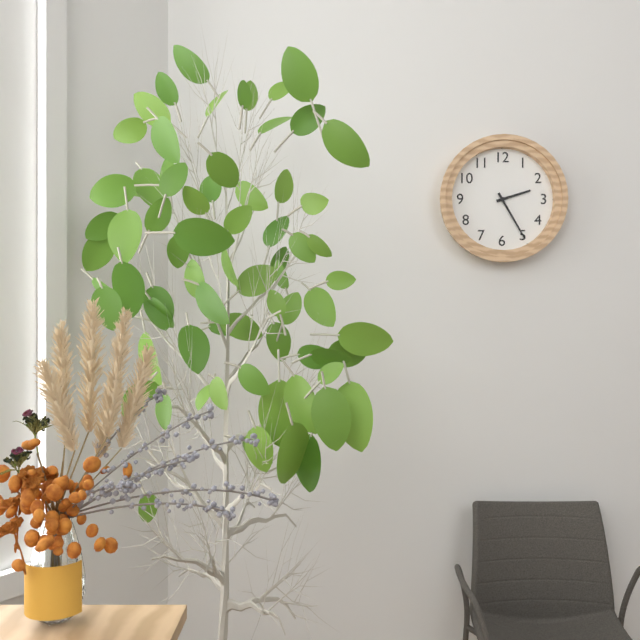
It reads 2.25
